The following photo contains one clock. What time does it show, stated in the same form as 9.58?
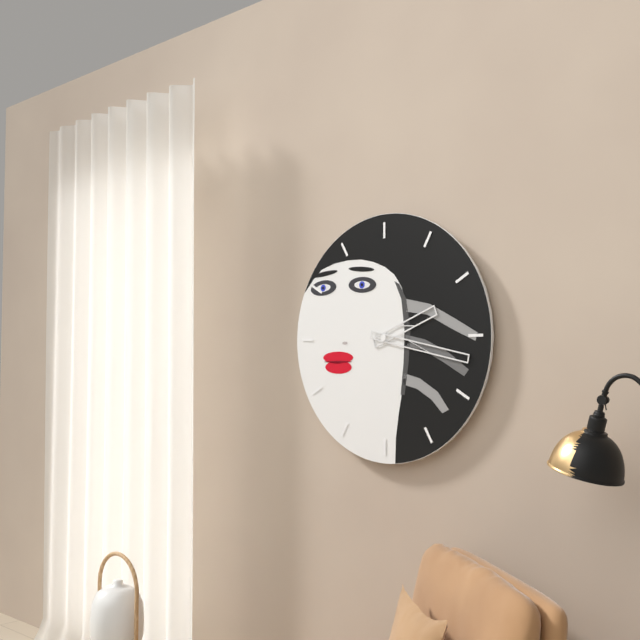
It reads 2.17
